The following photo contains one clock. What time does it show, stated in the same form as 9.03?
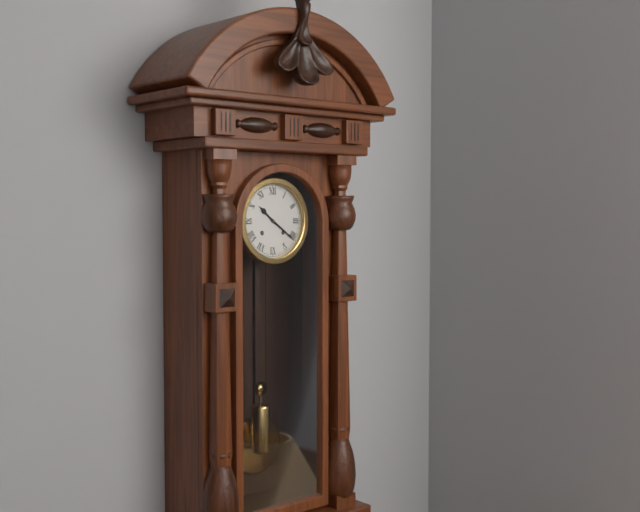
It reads 10.21
